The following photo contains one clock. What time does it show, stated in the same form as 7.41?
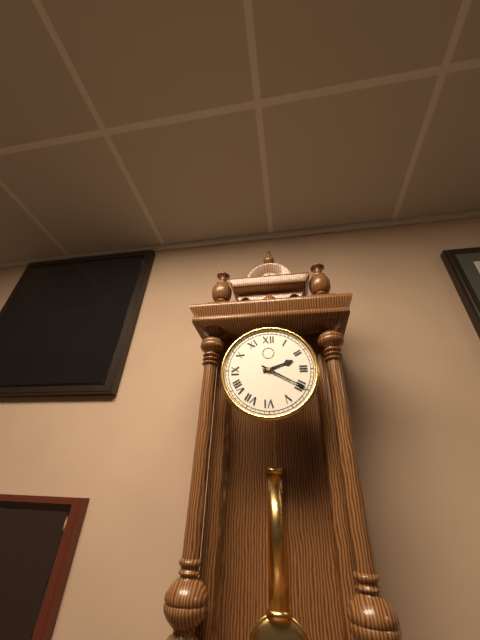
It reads 2.20
